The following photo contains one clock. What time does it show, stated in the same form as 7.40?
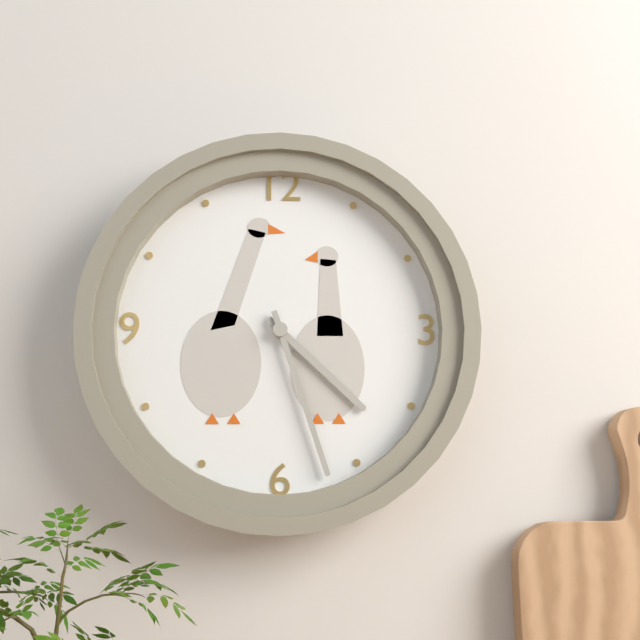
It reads 4.27
